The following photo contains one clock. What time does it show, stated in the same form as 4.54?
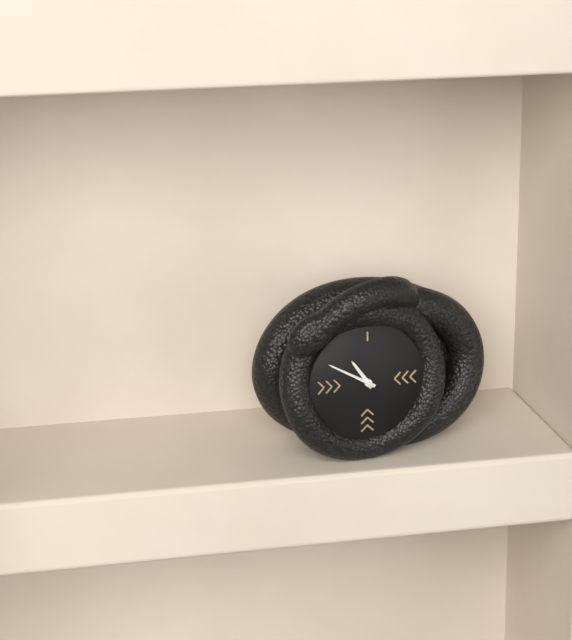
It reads 10.50
